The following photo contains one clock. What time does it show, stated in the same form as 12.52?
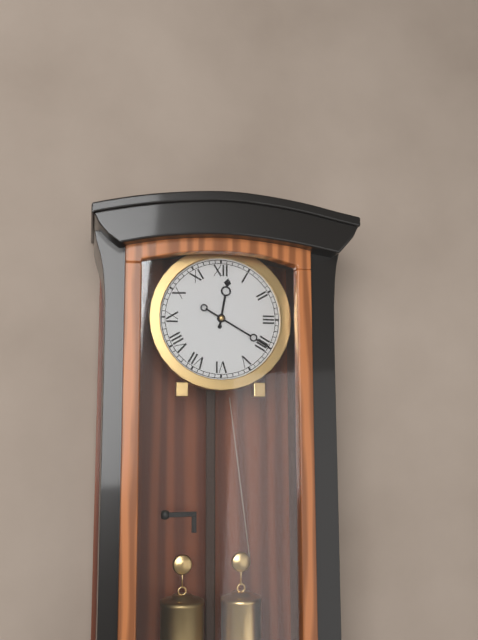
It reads 12.20
